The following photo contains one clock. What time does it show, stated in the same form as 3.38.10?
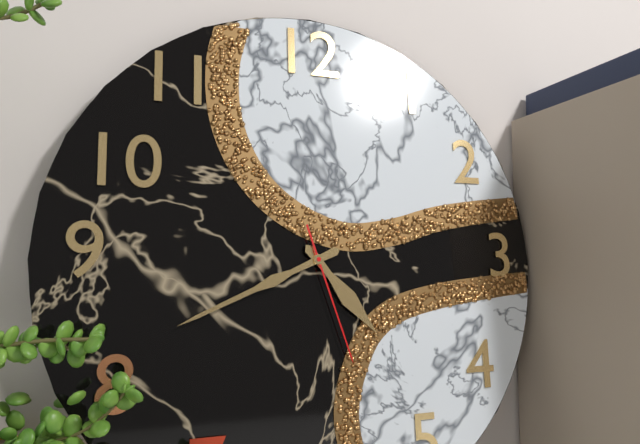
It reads 4.41.27
